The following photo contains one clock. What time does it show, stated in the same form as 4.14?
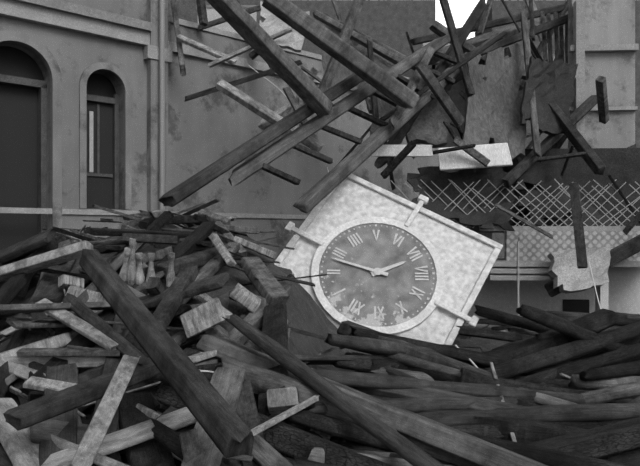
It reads 7.13
